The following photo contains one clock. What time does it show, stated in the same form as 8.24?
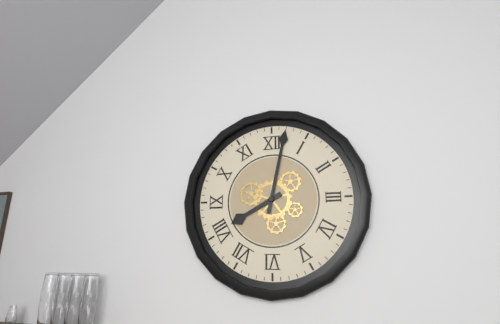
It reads 8.02
